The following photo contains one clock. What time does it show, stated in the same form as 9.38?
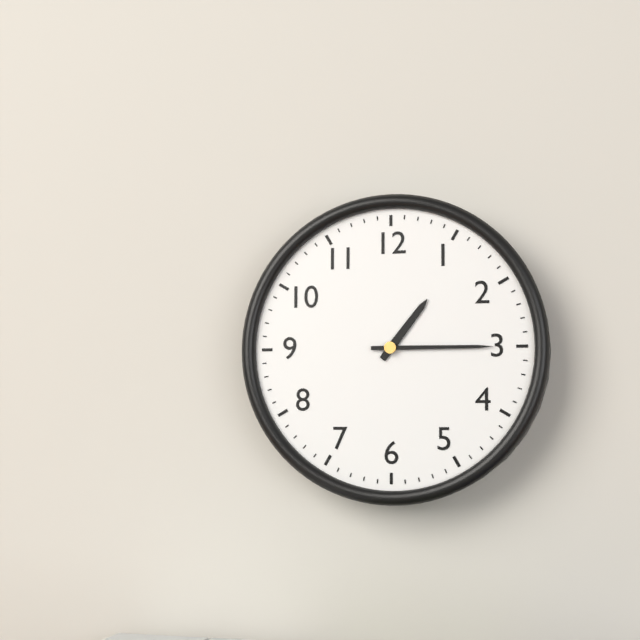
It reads 1.15
